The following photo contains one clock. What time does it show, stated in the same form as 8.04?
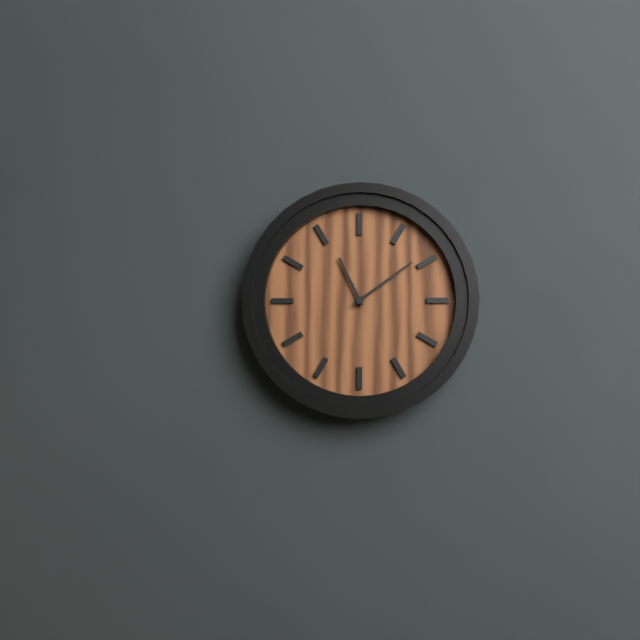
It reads 11.09
